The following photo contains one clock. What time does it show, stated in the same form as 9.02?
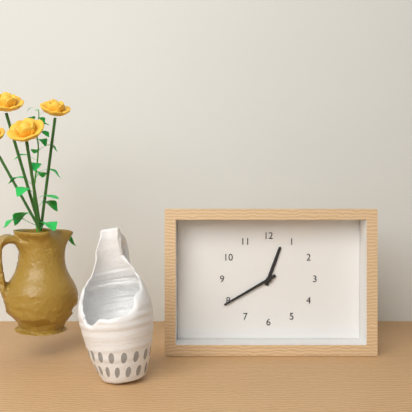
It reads 12.40
